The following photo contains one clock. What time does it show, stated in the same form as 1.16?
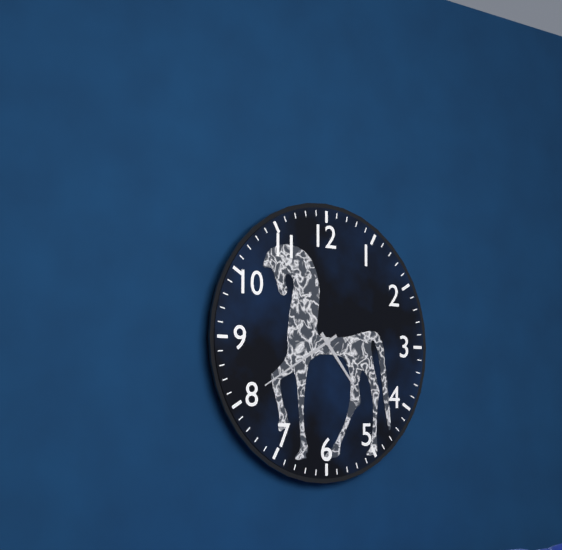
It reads 4.40
